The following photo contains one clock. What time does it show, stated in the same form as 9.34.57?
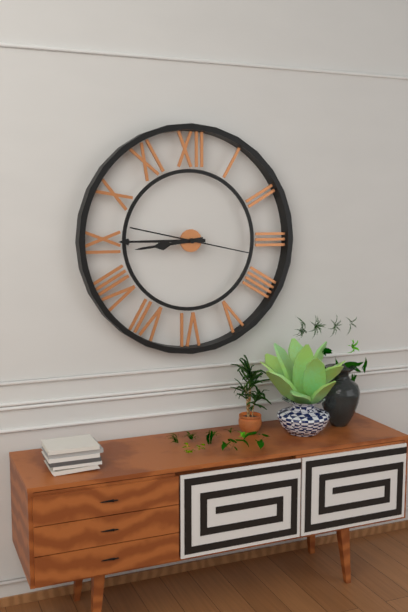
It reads 8.45.17
